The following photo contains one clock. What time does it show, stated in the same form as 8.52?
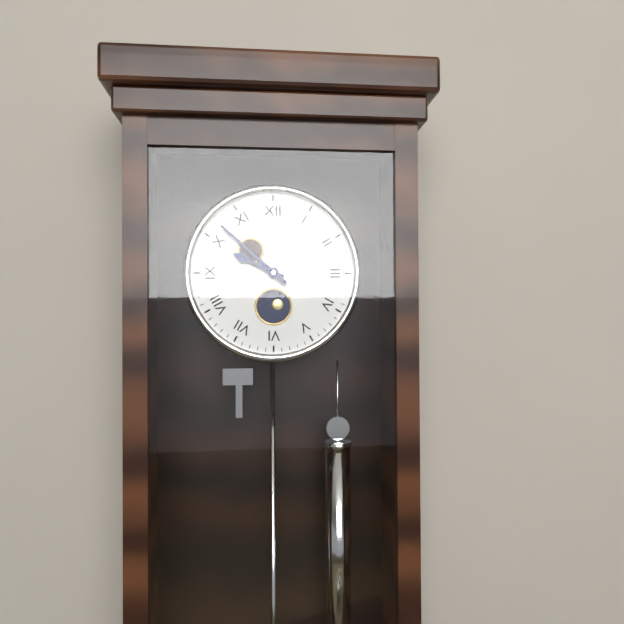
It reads 9.52
